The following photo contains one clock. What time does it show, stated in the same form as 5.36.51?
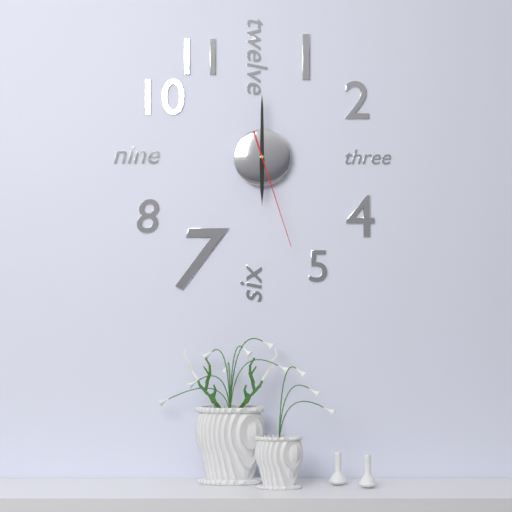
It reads 6.00.27
